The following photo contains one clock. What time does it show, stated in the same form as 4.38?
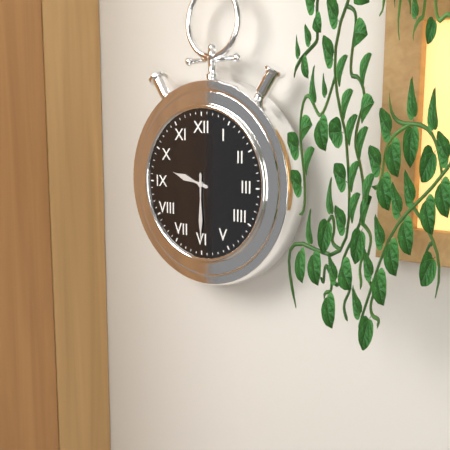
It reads 9.30
